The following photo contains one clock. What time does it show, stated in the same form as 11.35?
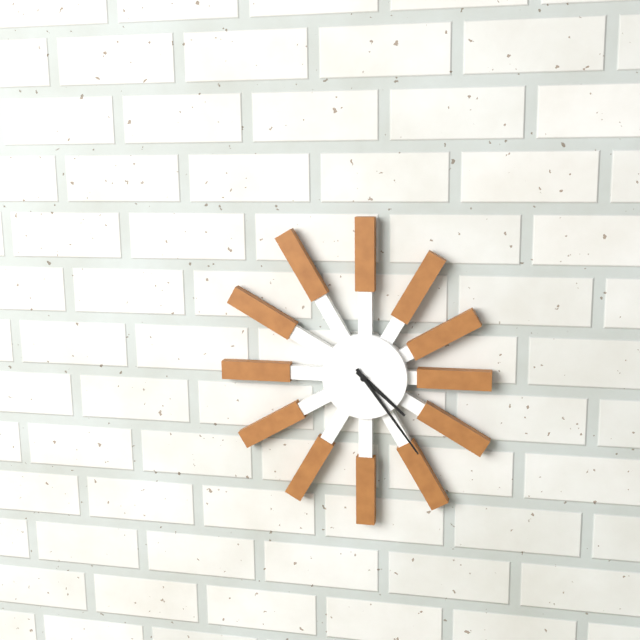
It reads 4.24
